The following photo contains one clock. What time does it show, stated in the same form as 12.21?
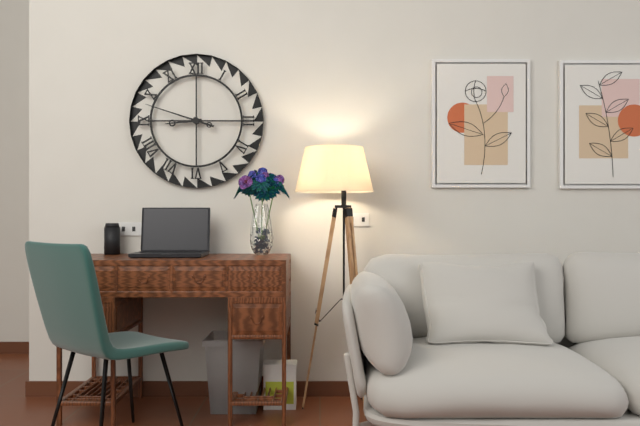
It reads 8.48
